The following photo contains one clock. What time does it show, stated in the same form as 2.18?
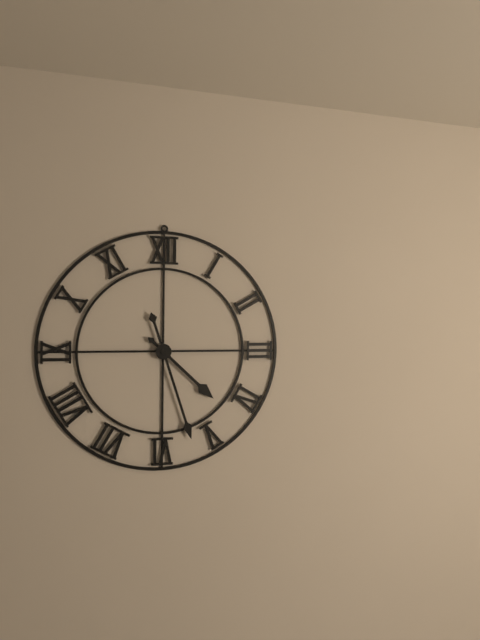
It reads 4.27
